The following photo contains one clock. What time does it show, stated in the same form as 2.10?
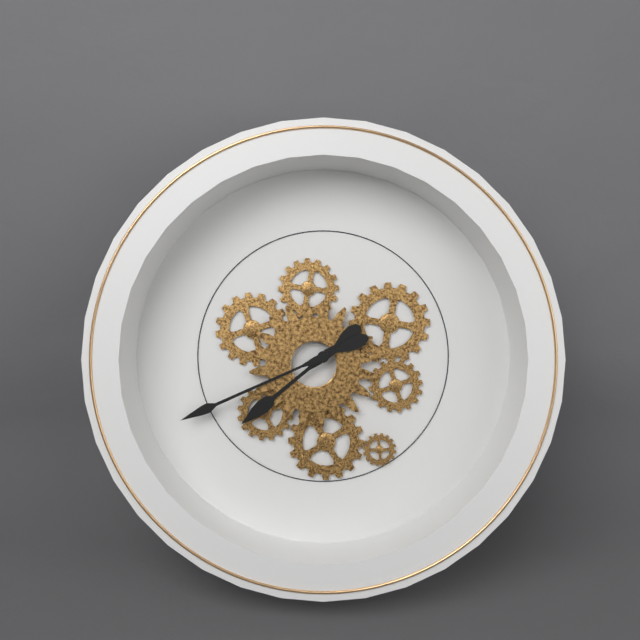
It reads 7.41
